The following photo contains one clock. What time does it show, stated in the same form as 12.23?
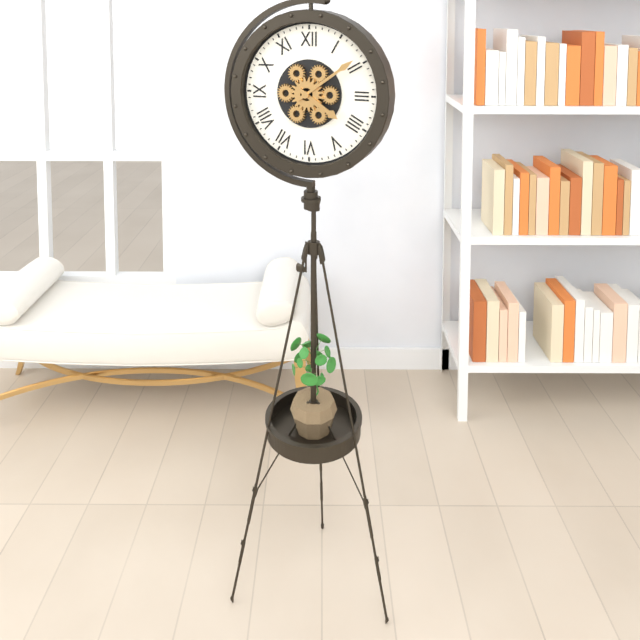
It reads 4.09
